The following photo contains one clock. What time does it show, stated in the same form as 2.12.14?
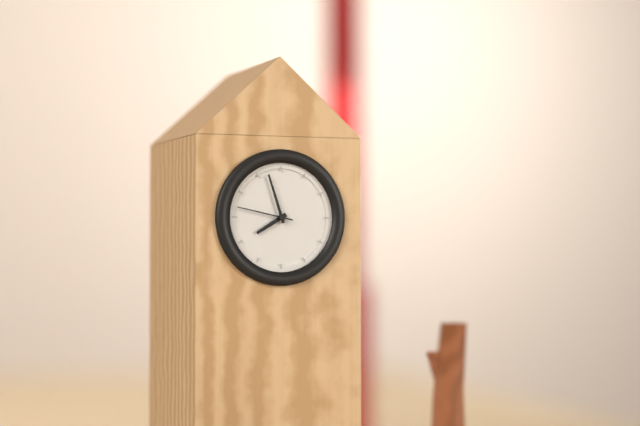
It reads 7.57.47
